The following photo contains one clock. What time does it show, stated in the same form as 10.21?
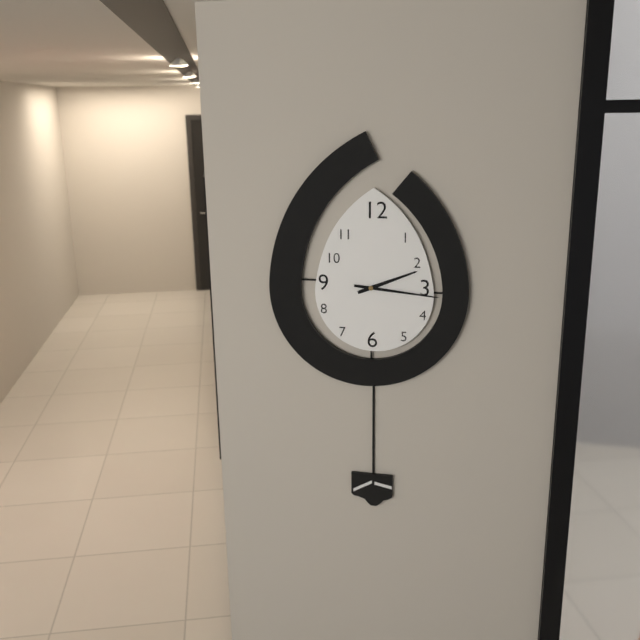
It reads 2.16
